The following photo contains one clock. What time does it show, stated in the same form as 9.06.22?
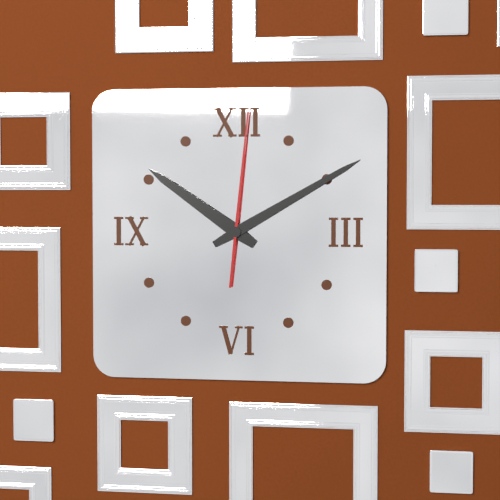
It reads 10.10.01
